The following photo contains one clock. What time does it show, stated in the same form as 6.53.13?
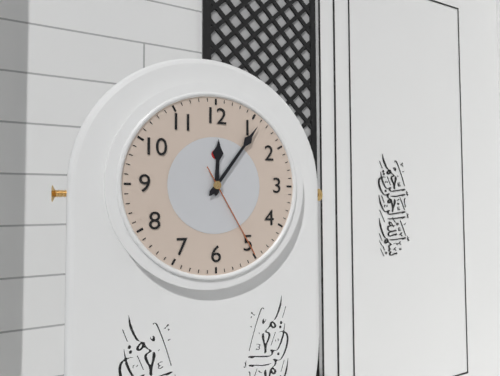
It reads 12.06.25
